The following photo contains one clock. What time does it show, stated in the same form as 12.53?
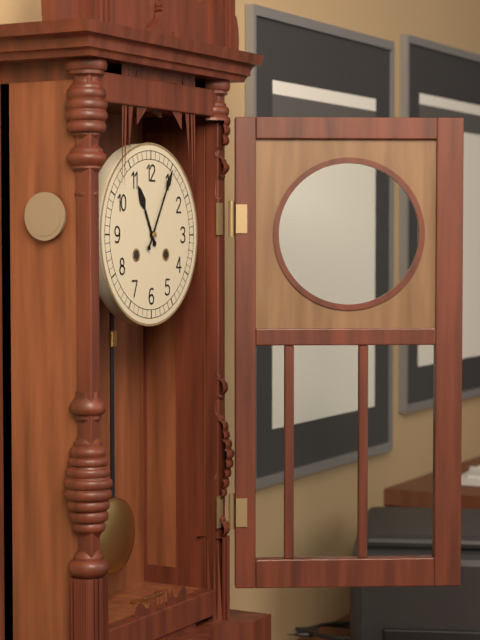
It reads 11.05
